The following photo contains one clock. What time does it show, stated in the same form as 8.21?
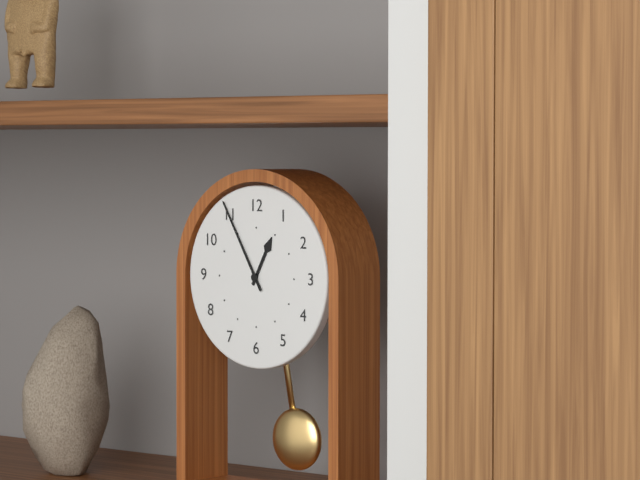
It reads 12.55
